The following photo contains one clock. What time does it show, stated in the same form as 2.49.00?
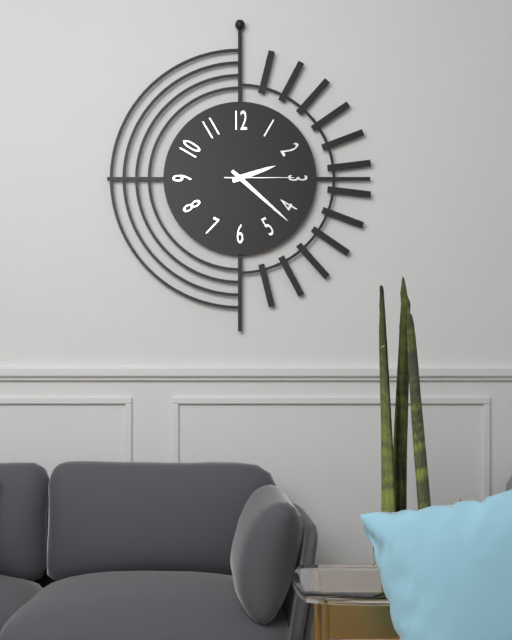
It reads 2.22.15
